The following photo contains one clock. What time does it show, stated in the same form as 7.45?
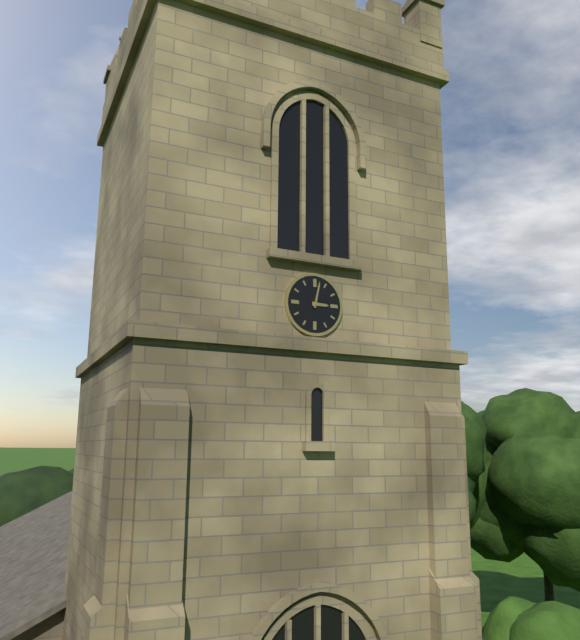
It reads 3.02
